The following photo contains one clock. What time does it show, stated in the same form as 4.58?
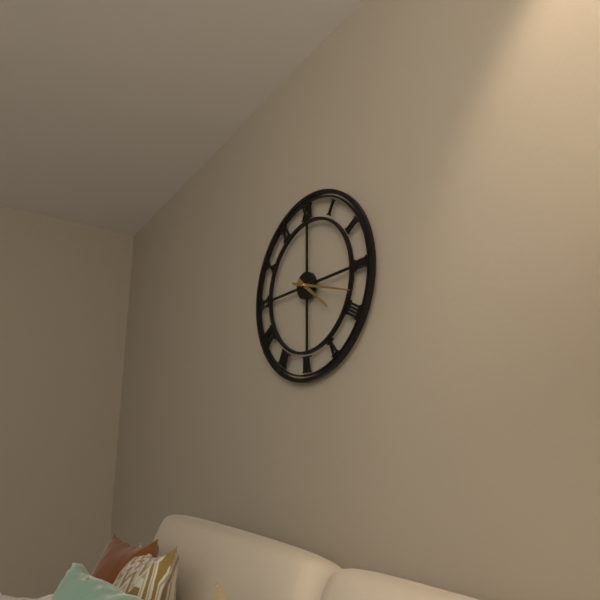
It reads 4.18
